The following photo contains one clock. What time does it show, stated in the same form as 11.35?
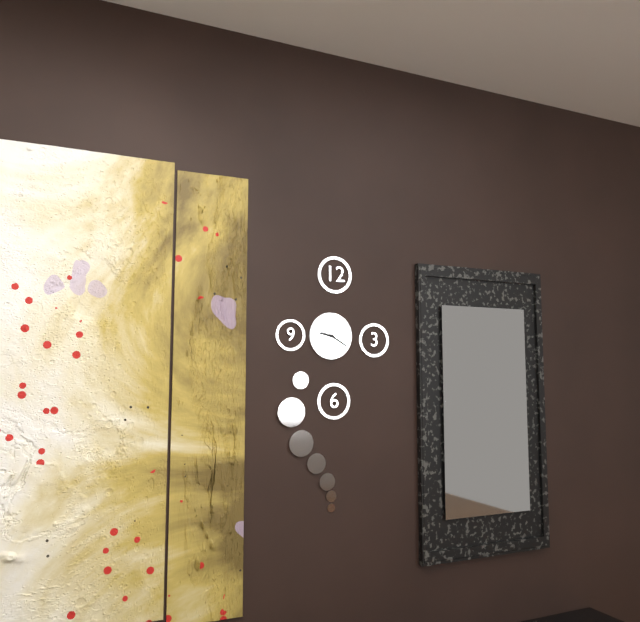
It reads 9.20
